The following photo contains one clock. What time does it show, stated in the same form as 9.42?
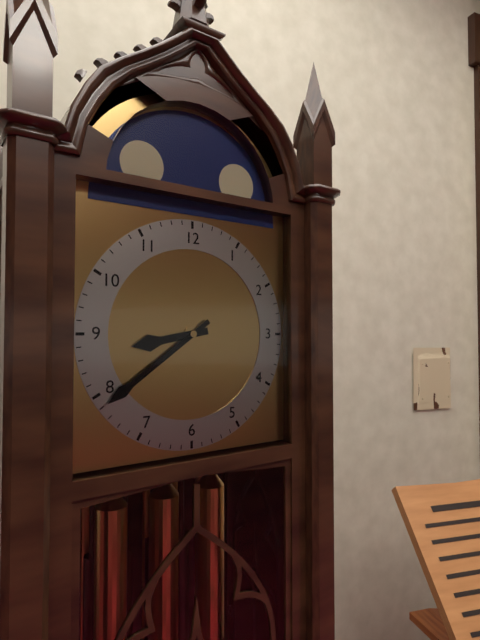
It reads 8.39
